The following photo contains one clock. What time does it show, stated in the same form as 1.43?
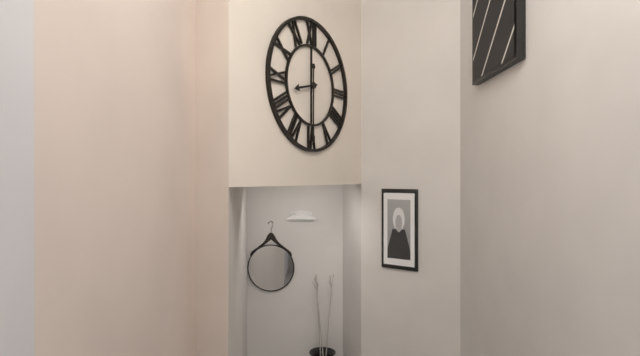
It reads 8.30
